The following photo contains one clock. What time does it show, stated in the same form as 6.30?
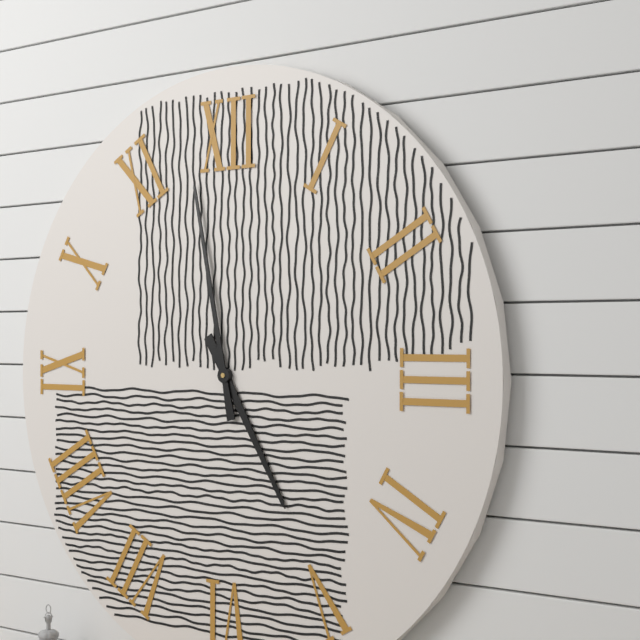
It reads 4.58
